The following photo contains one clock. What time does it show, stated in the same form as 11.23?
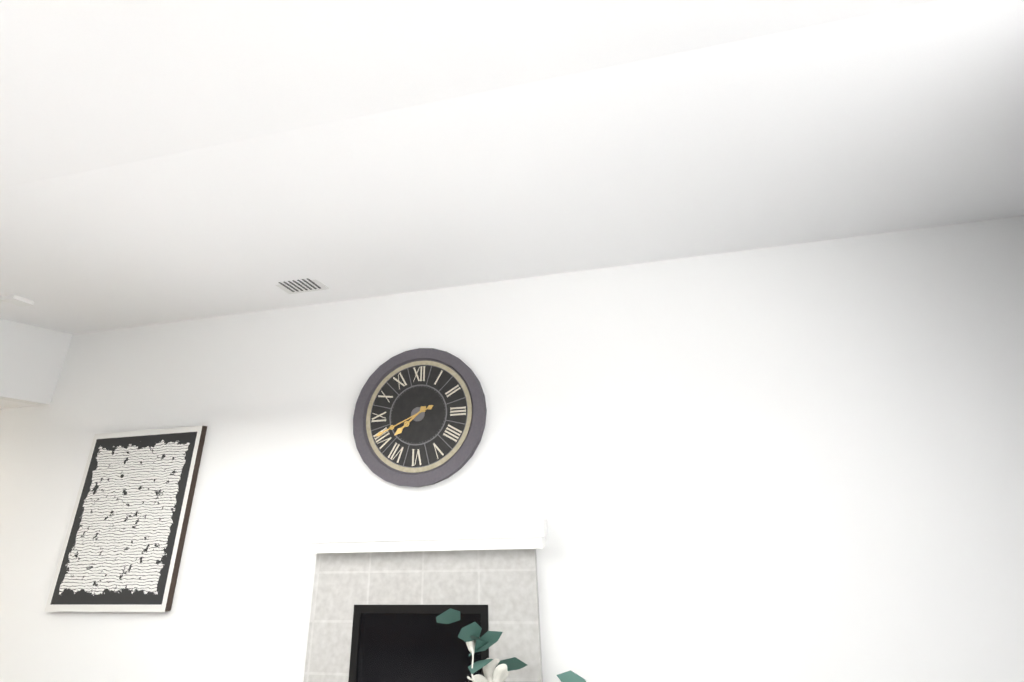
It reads 7.41
